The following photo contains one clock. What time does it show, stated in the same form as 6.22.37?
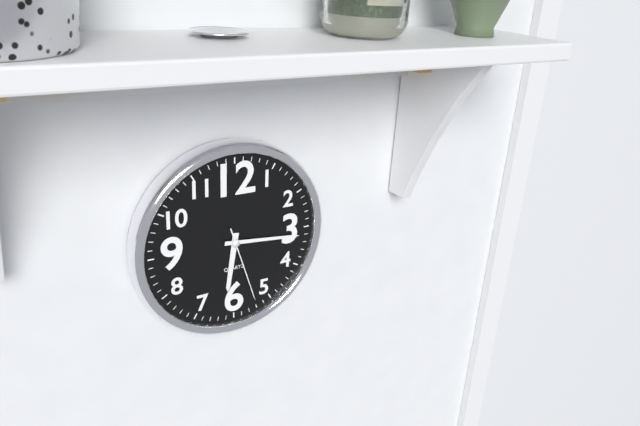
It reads 6.16.27
